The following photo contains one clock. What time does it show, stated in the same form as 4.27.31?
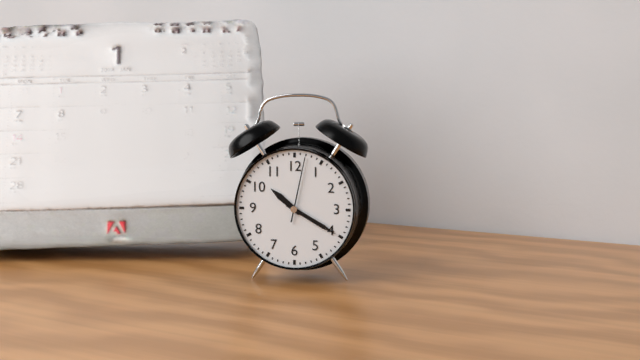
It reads 10.20.02
